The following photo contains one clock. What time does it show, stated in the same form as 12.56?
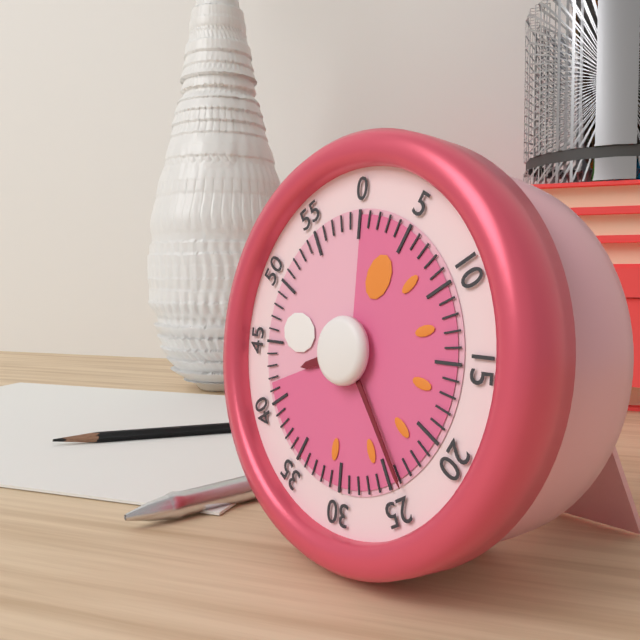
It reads 8.24
